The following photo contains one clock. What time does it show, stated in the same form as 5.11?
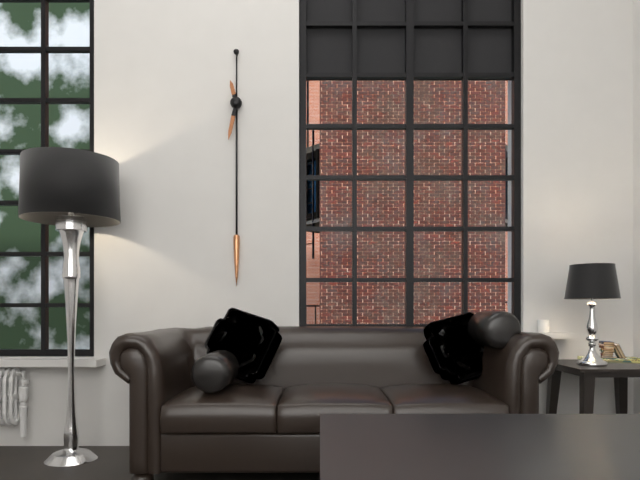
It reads 11.32
